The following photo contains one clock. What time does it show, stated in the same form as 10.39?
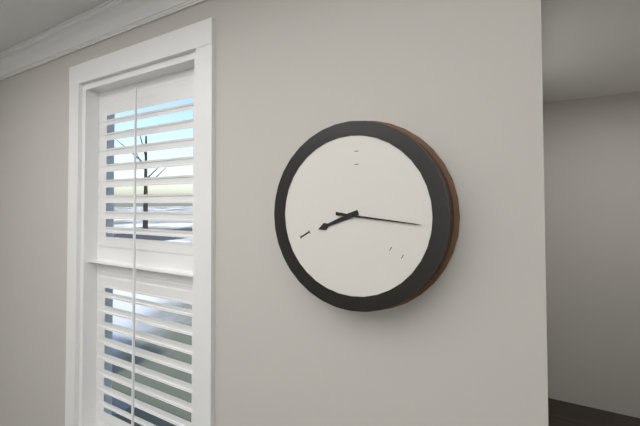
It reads 8.16
